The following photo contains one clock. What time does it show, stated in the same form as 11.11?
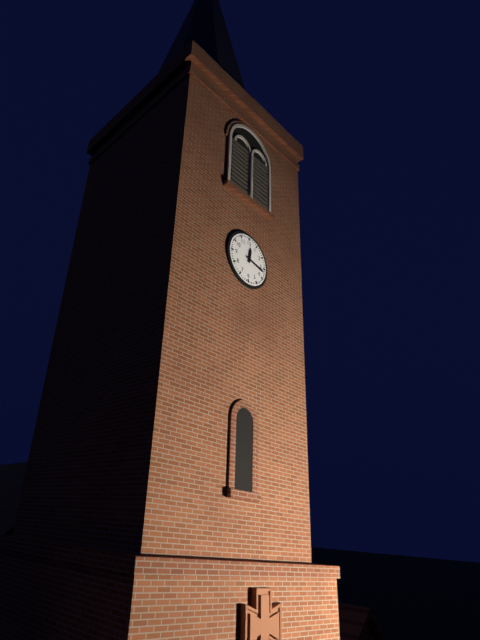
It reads 12.17
